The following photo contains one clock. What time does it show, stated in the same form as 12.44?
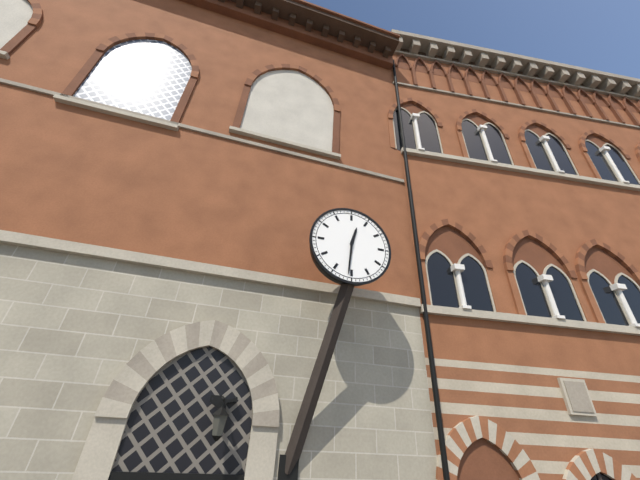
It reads 12.31
